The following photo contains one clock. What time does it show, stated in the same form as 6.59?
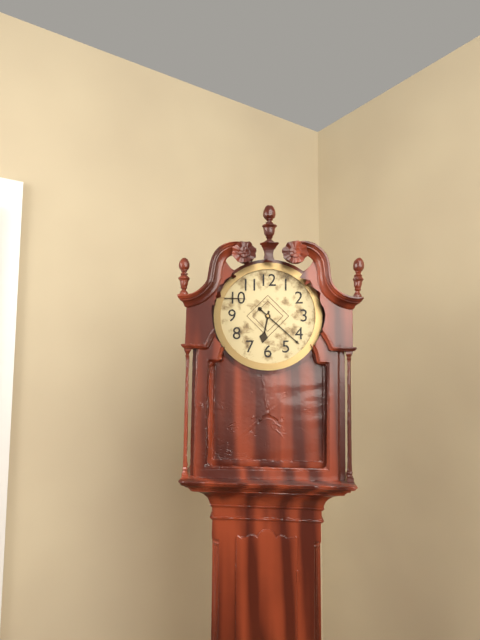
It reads 6.22
